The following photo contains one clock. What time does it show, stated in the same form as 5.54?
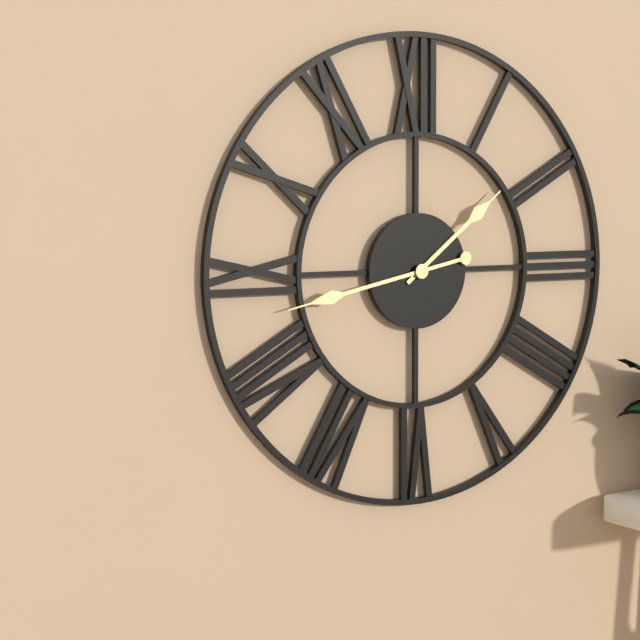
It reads 1.43
